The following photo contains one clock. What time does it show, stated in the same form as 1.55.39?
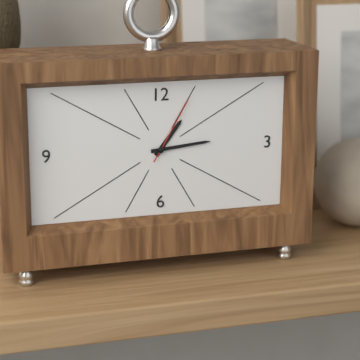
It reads 1.14.05
